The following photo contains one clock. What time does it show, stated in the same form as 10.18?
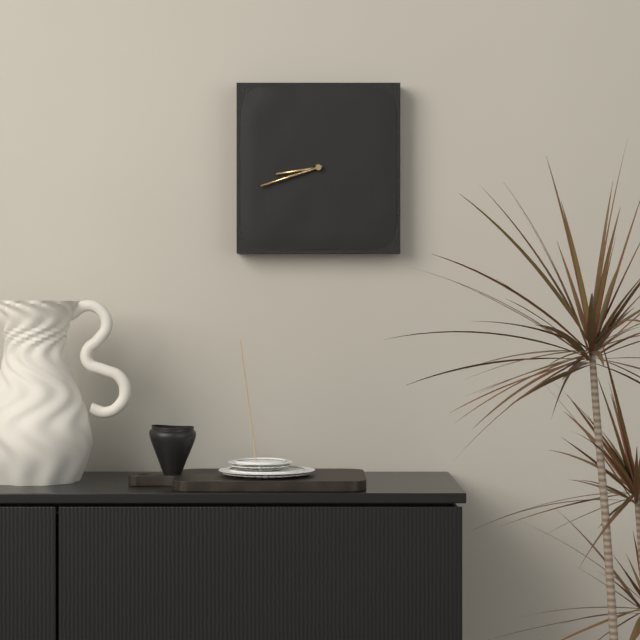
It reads 8.42
